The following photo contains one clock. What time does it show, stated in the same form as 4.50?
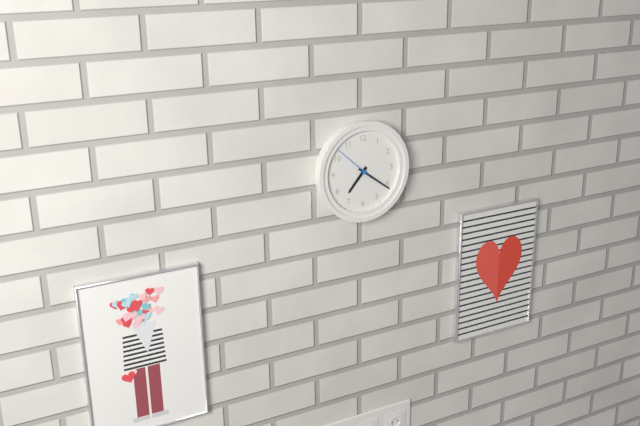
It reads 7.21
